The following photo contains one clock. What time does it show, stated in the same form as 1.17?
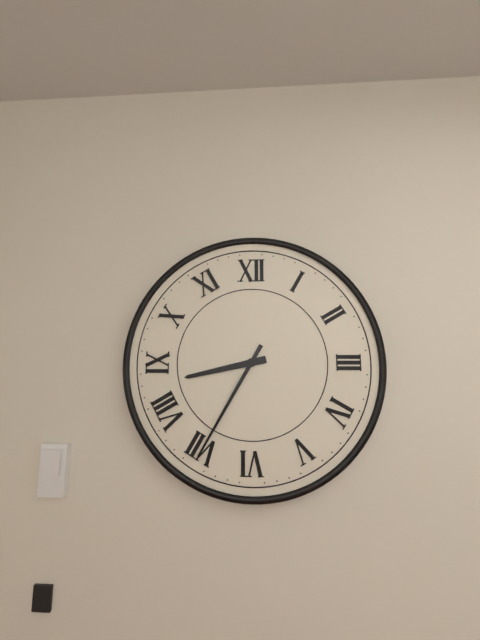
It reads 8.35
